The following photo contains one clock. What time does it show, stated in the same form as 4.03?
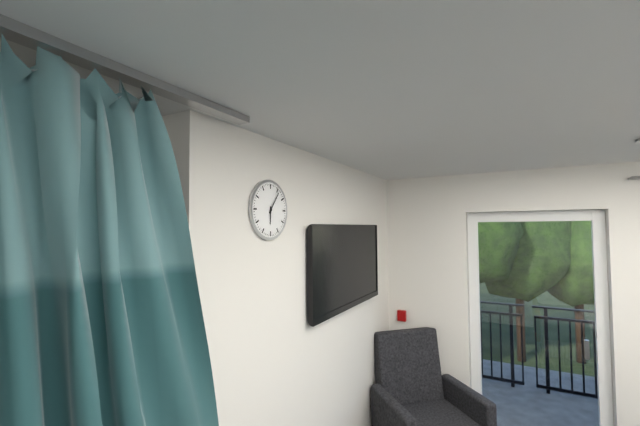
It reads 6.06
